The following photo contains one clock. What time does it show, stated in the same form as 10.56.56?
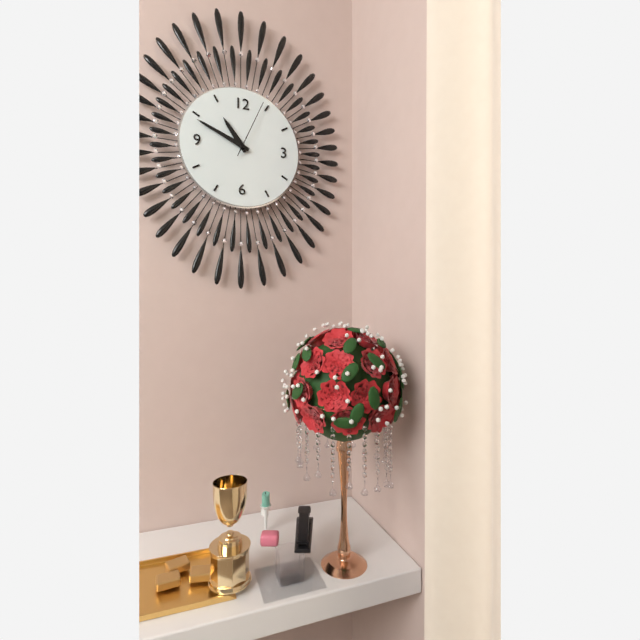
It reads 10.49.04
